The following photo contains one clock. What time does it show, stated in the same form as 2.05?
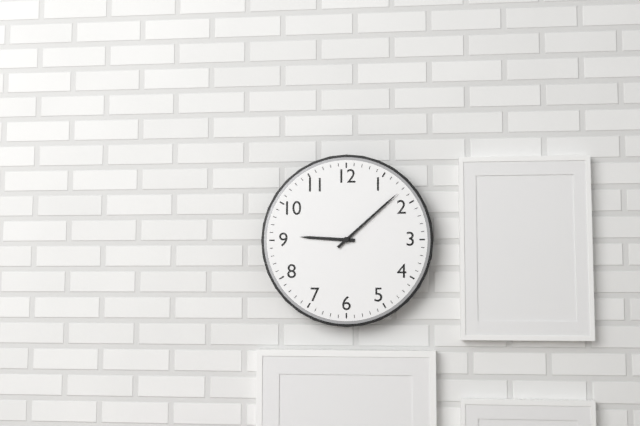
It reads 9.08
